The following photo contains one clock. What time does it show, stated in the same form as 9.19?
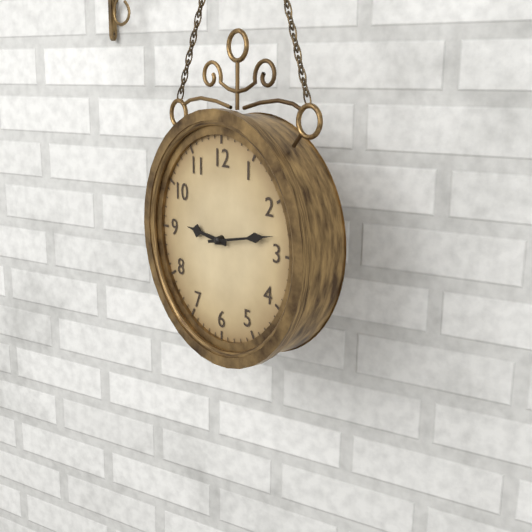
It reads 9.13
